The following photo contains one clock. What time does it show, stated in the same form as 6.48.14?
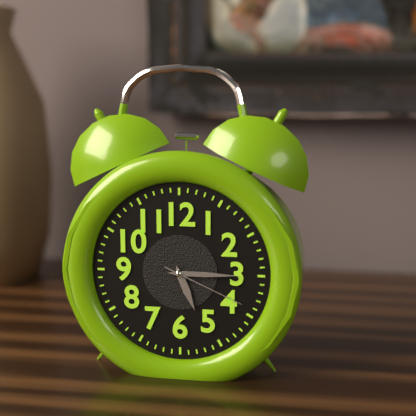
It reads 5.15.19
